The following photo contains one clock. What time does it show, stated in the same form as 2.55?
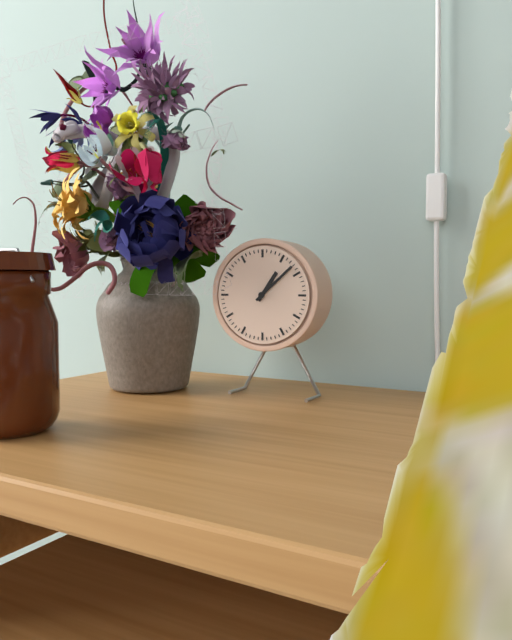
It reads 1.08
